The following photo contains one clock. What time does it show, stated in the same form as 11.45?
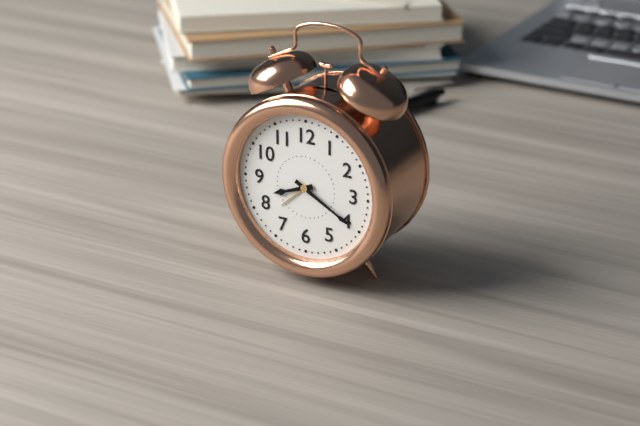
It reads 8.20
